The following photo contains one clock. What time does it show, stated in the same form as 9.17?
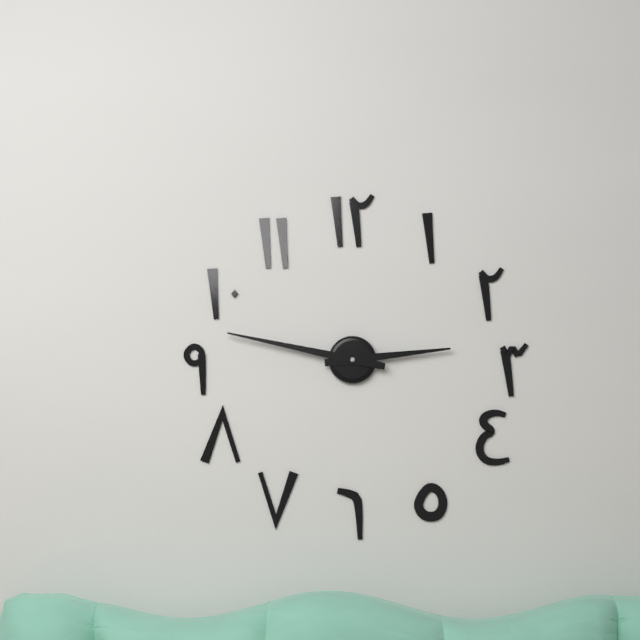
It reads 2.47
